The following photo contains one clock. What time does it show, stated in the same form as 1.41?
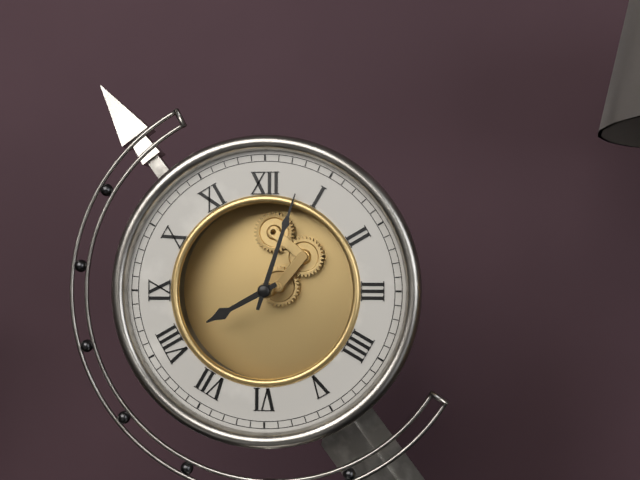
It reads 8.03
